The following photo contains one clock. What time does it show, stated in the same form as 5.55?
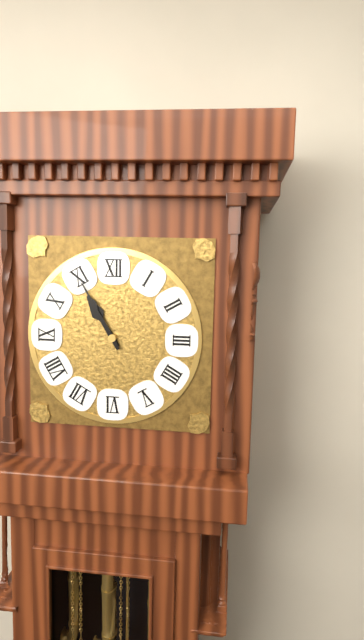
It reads 10.55
